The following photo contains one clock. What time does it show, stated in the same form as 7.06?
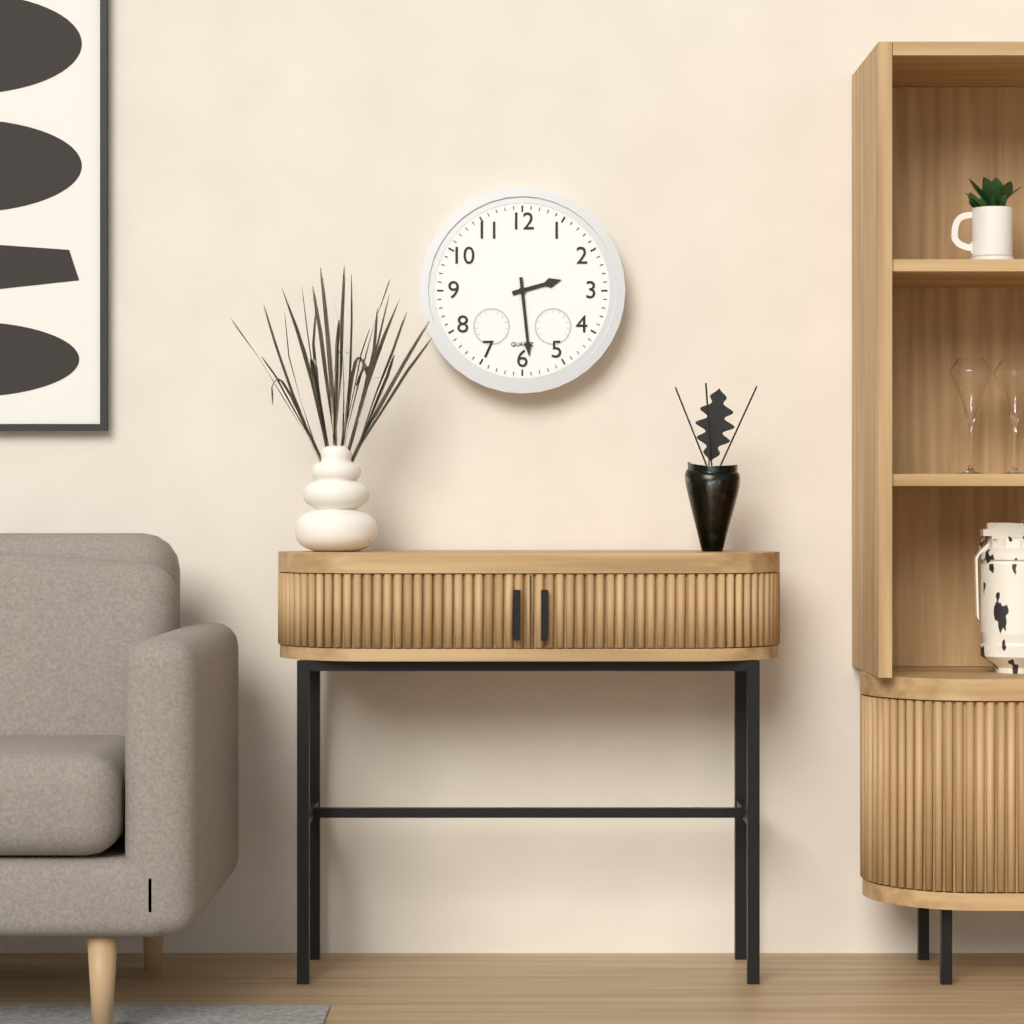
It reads 2.29
